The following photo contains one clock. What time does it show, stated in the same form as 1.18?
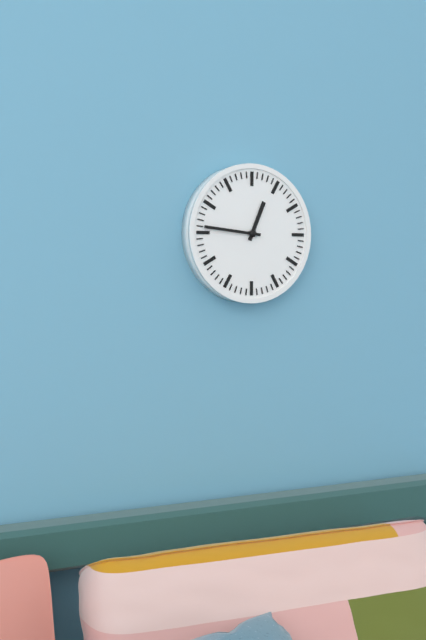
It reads 12.46
